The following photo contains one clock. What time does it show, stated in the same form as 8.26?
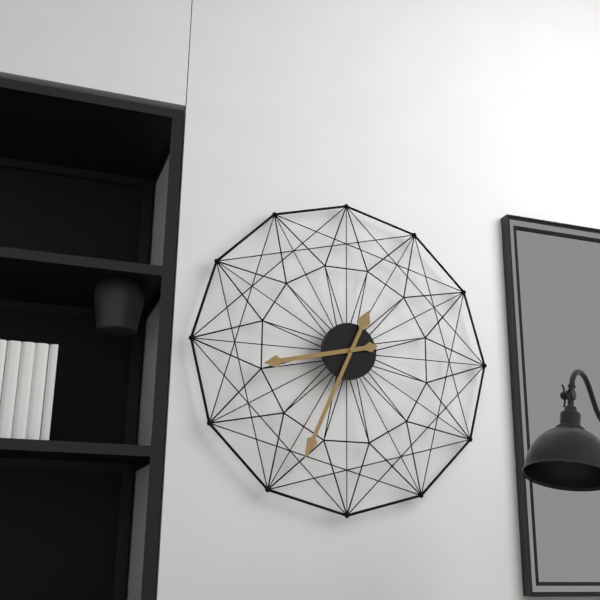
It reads 8.34
